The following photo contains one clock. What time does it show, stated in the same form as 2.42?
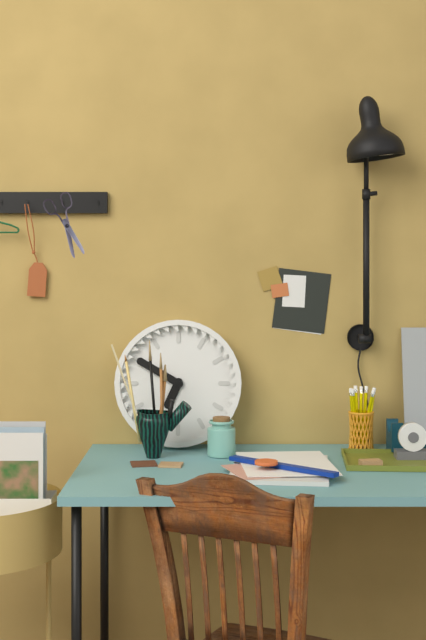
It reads 6.50
